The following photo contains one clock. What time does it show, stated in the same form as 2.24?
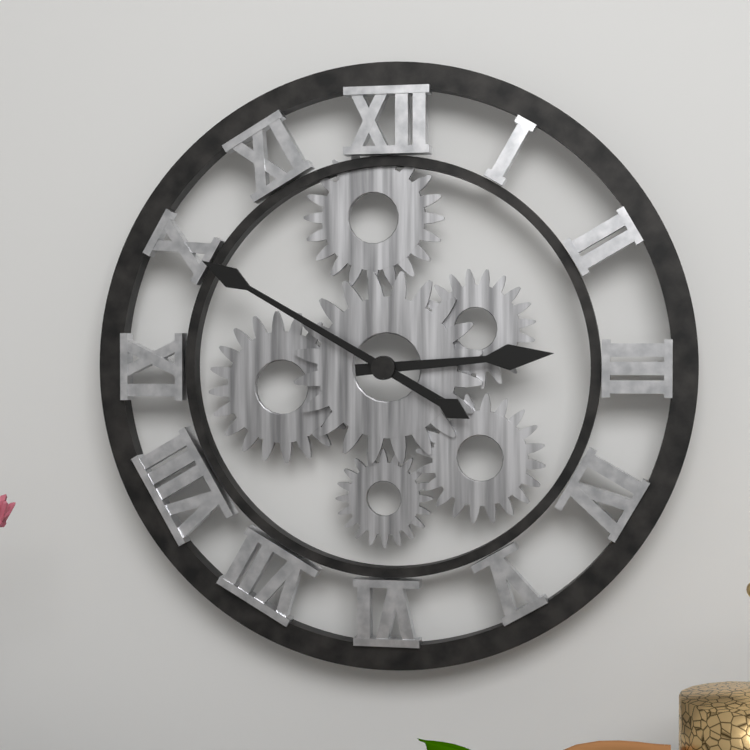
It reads 2.50
